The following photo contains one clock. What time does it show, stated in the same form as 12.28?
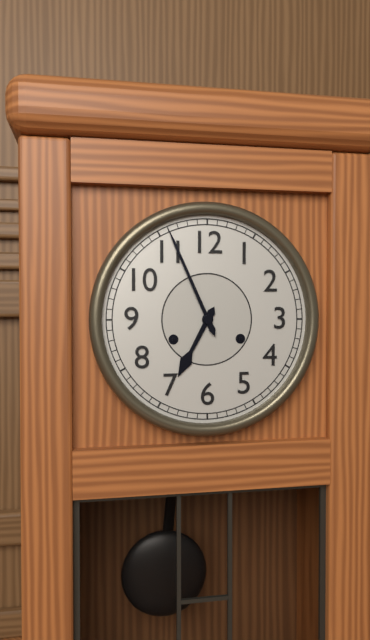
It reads 6.56
